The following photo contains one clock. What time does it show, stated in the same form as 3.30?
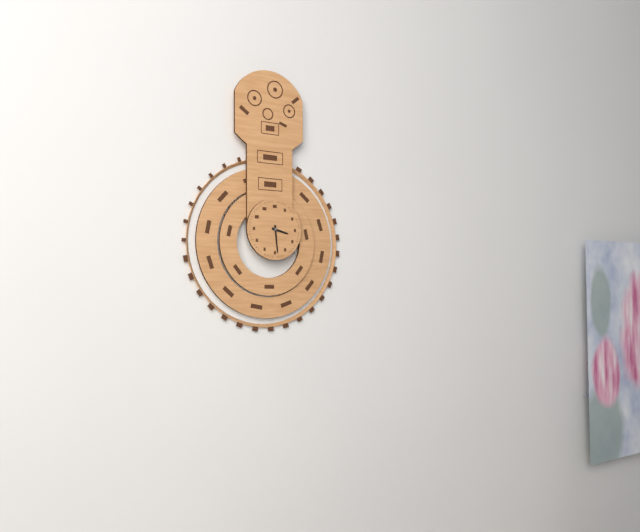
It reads 3.29
